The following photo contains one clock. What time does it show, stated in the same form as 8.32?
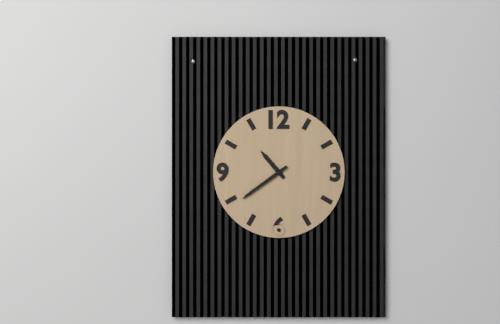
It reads 10.39
